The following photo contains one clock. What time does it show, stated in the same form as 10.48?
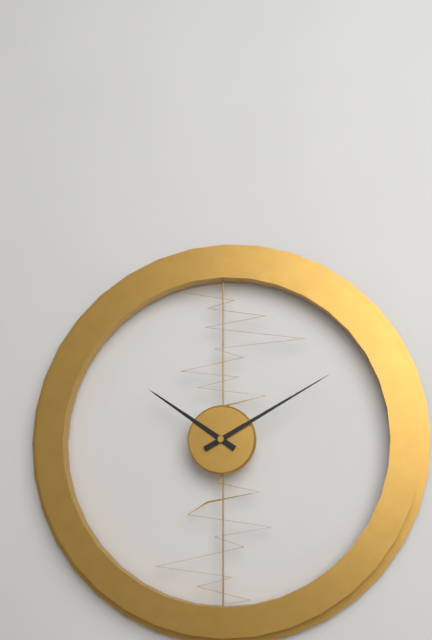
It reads 10.10
